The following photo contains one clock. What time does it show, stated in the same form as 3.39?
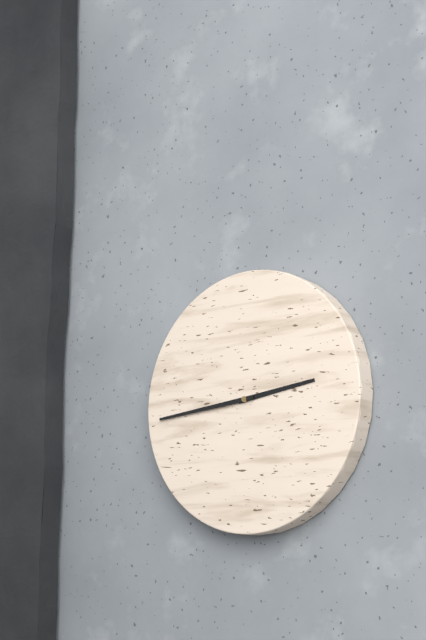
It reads 2.44
